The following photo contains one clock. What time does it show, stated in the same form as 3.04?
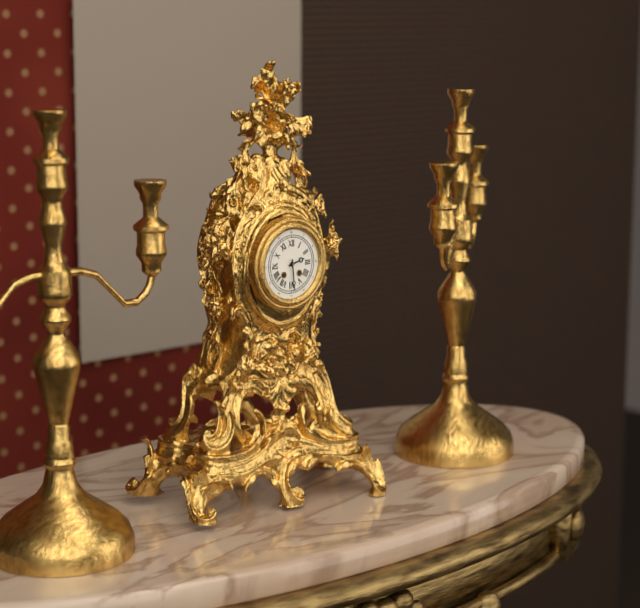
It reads 2.29
